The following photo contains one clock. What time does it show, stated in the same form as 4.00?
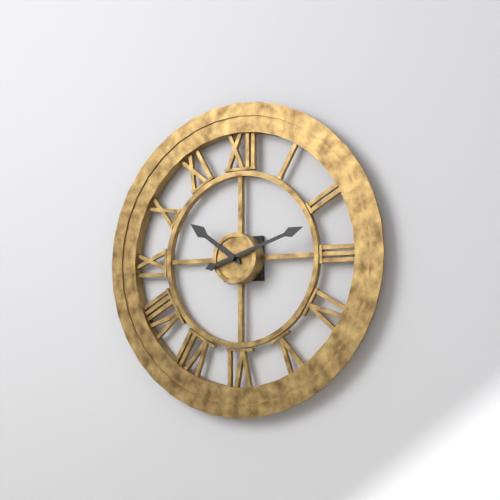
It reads 10.12
